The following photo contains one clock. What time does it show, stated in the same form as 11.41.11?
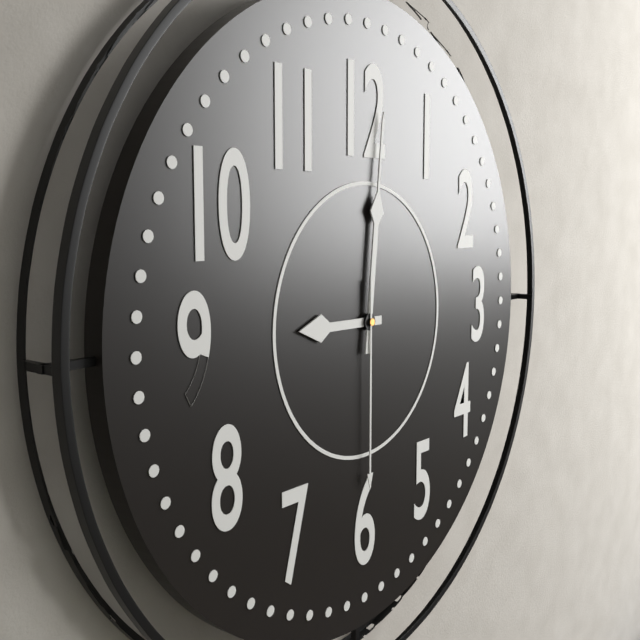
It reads 9.01.30
